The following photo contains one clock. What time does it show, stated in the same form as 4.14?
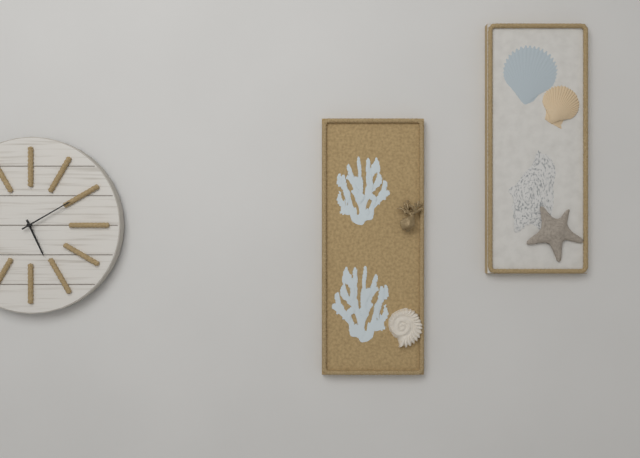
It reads 5.10
